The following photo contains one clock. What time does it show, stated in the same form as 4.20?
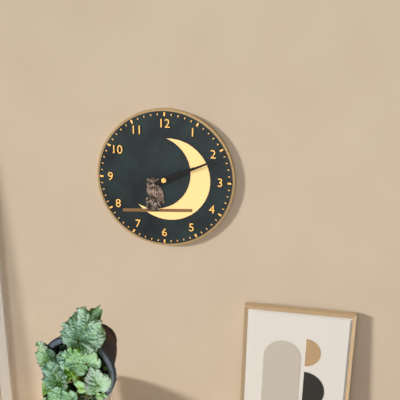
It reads 2.11
